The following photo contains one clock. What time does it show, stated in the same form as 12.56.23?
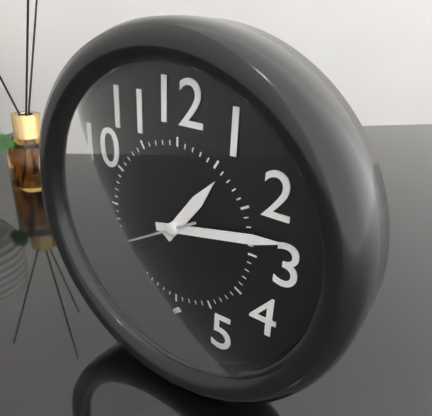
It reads 1.13.40
